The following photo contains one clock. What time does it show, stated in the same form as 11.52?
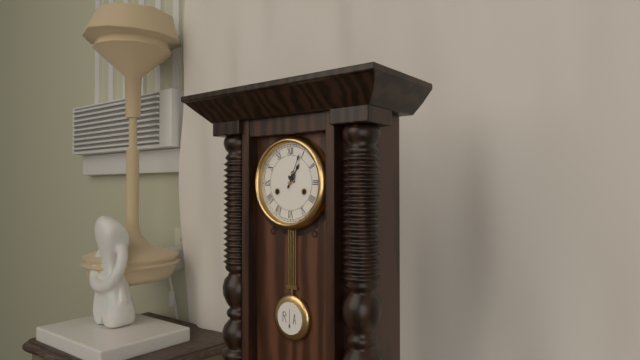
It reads 1.04
